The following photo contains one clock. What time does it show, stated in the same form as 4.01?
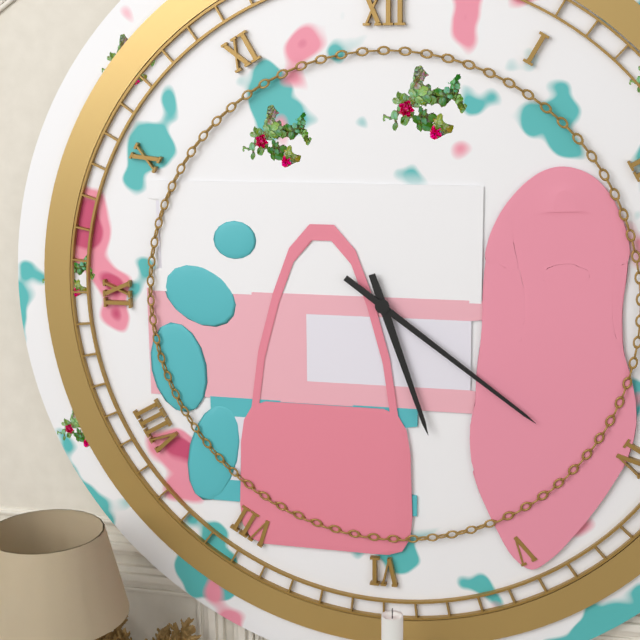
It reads 5.21
